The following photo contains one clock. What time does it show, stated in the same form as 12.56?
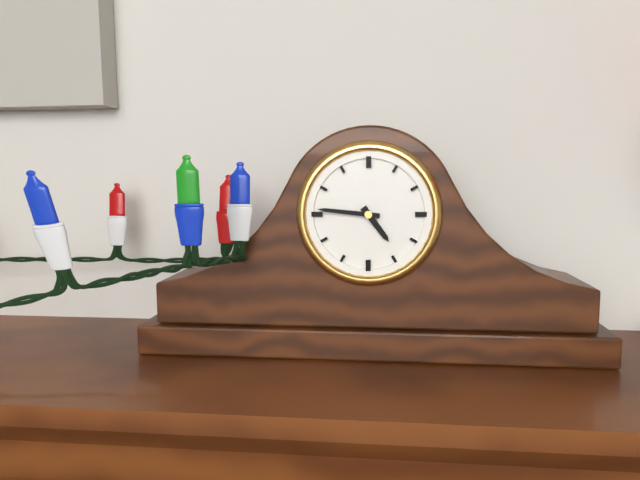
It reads 4.46
